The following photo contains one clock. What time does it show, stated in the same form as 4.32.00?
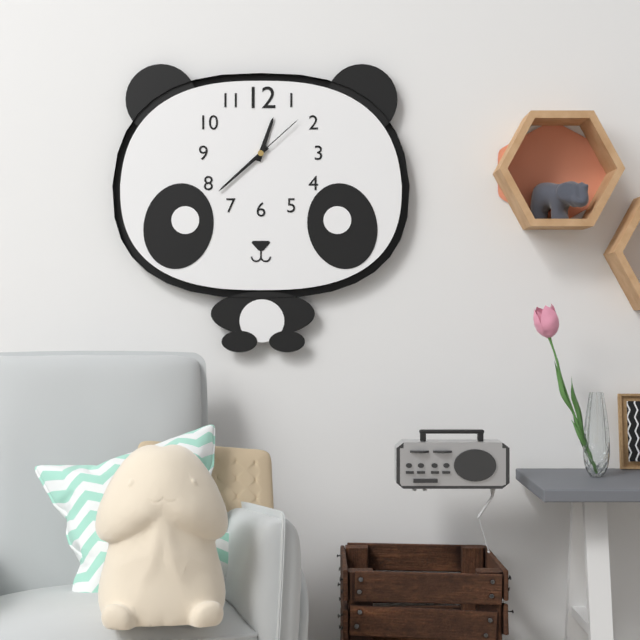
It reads 12.38.08
